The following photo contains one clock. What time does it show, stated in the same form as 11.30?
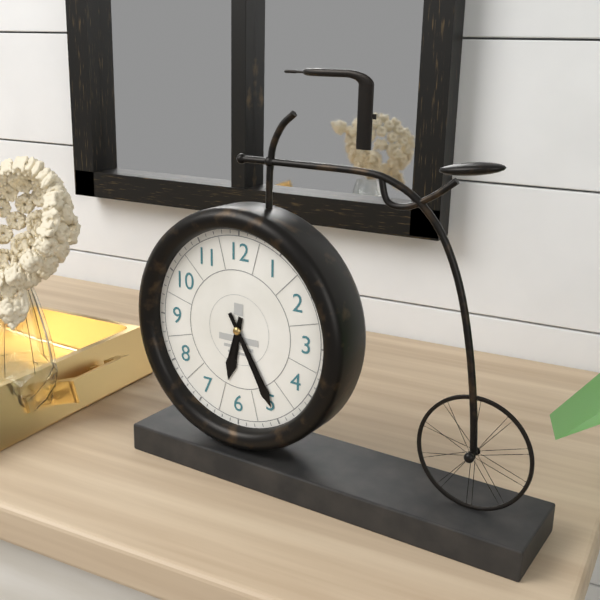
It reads 6.25
